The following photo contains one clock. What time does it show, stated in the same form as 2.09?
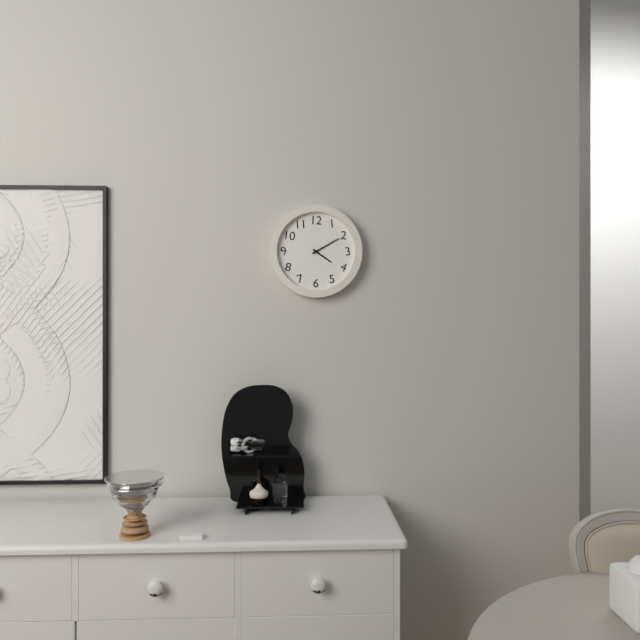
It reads 4.10
